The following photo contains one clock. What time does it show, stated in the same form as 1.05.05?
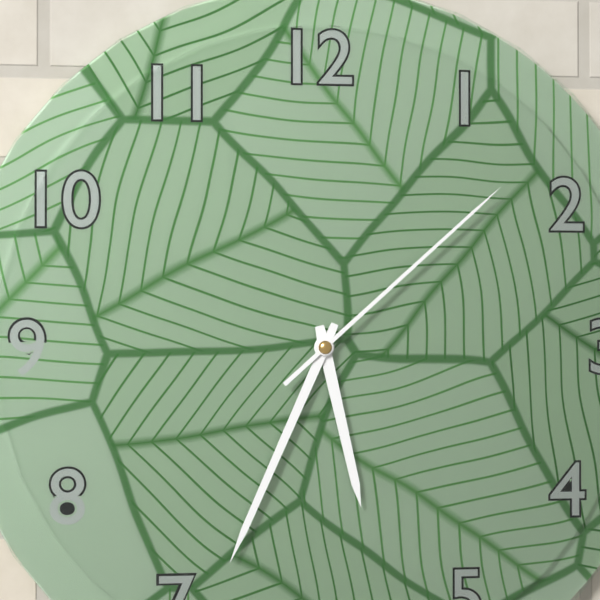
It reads 5.34.08
